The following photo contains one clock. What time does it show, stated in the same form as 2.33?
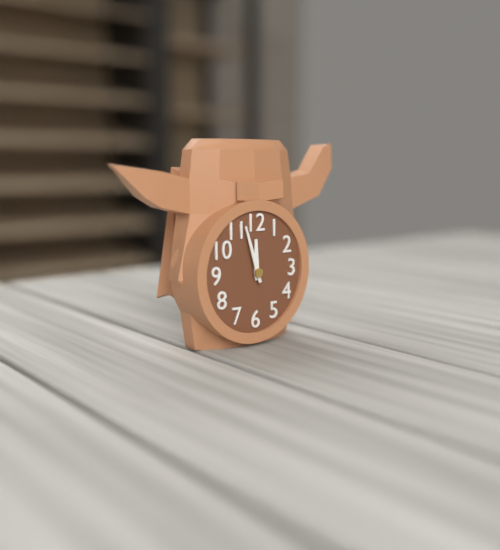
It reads 11.57
